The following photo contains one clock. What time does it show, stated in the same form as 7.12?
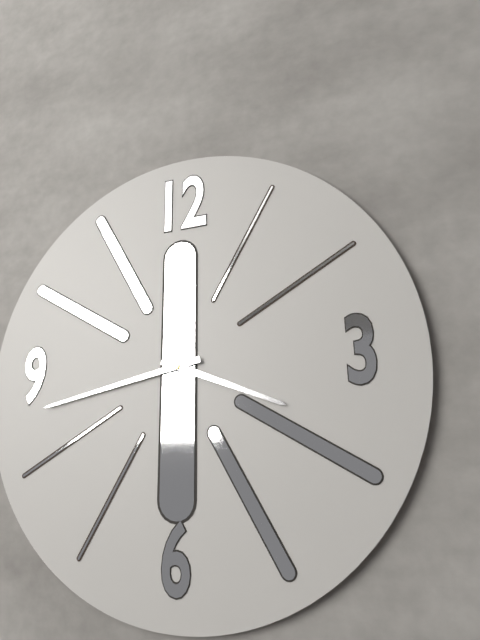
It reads 3.43
